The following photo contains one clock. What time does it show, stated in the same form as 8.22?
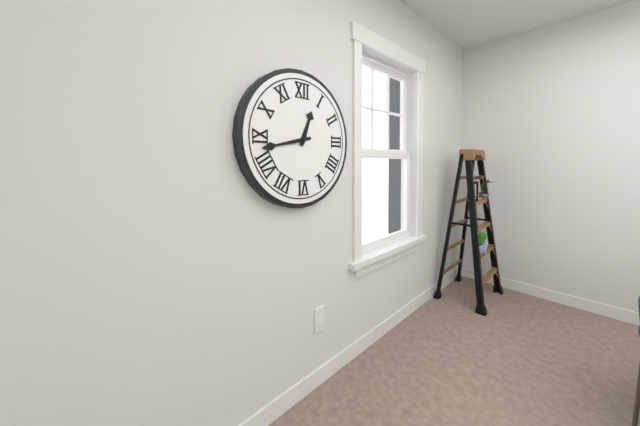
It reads 12.43
